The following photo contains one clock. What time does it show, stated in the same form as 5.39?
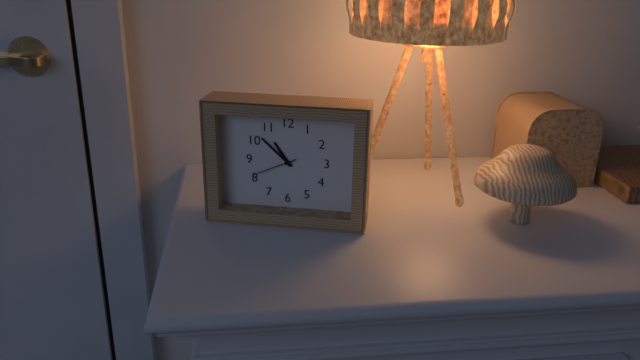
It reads 10.52
